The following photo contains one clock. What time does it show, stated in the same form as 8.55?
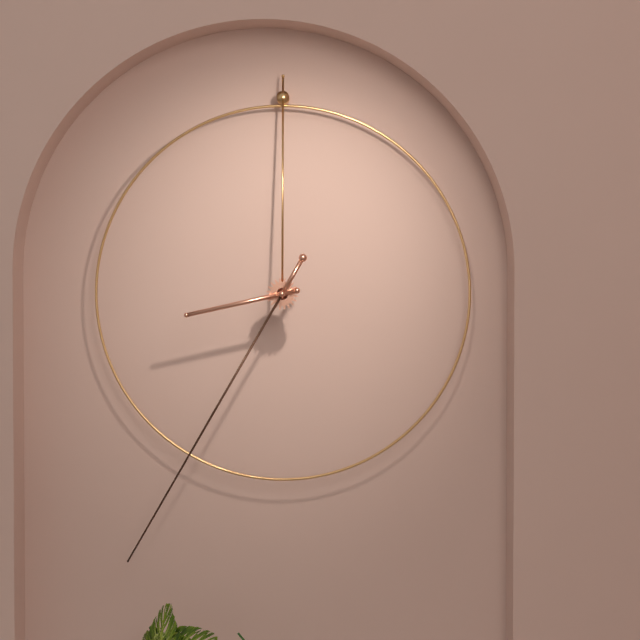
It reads 8.35
